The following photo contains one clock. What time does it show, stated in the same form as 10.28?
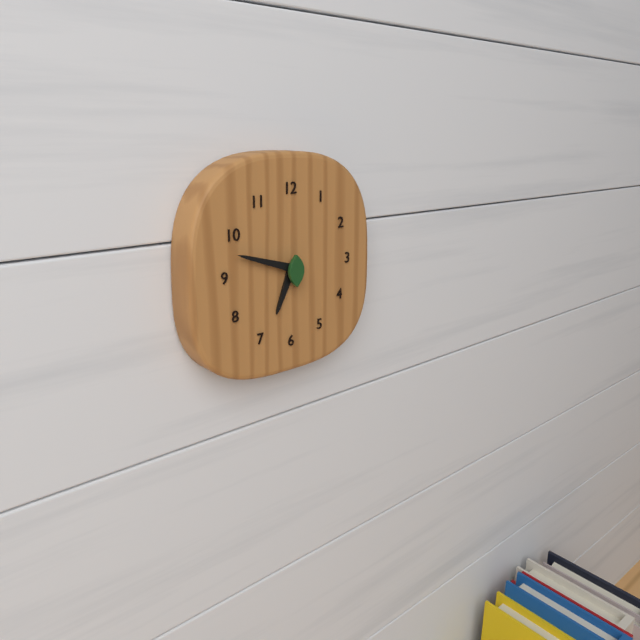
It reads 6.48
